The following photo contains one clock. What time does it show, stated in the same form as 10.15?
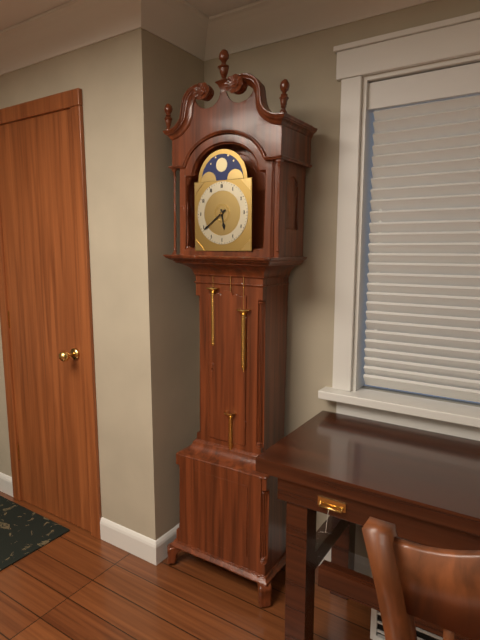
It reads 5.39
